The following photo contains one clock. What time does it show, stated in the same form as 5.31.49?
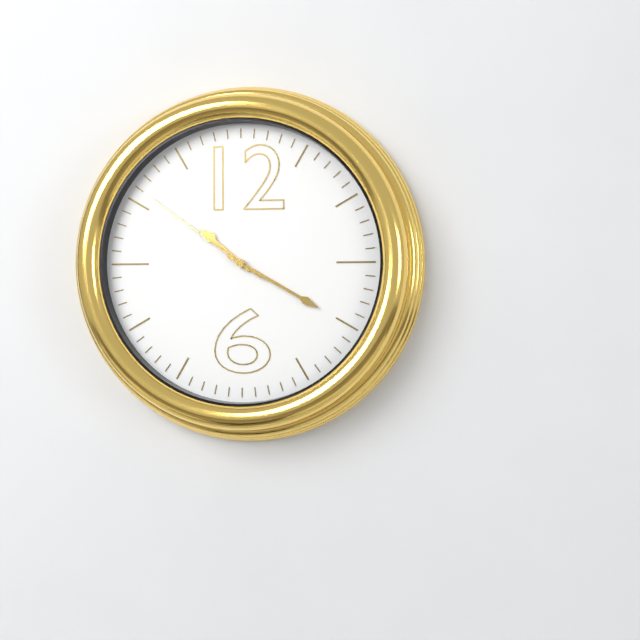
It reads 10.20.51
